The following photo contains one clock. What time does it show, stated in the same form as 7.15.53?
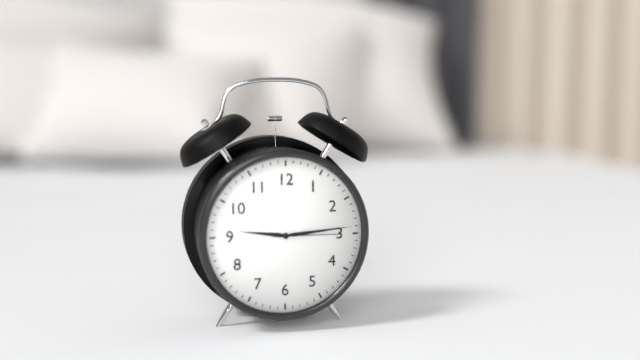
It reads 9.14.15
